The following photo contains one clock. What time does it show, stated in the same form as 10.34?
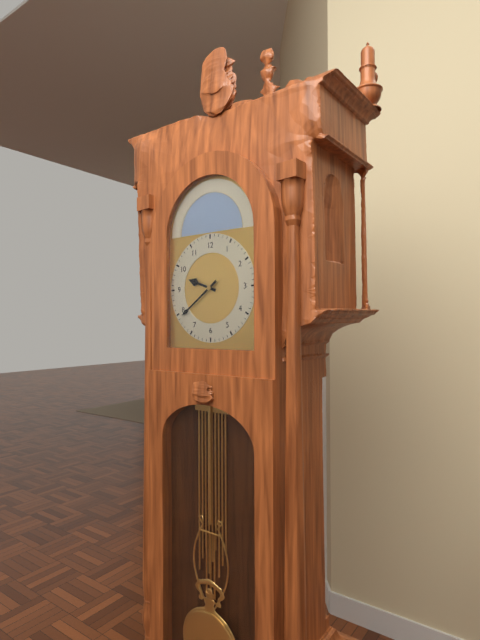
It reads 9.39
